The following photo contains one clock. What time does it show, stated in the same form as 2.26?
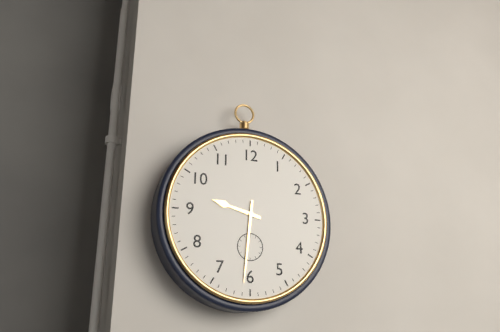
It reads 9.31
